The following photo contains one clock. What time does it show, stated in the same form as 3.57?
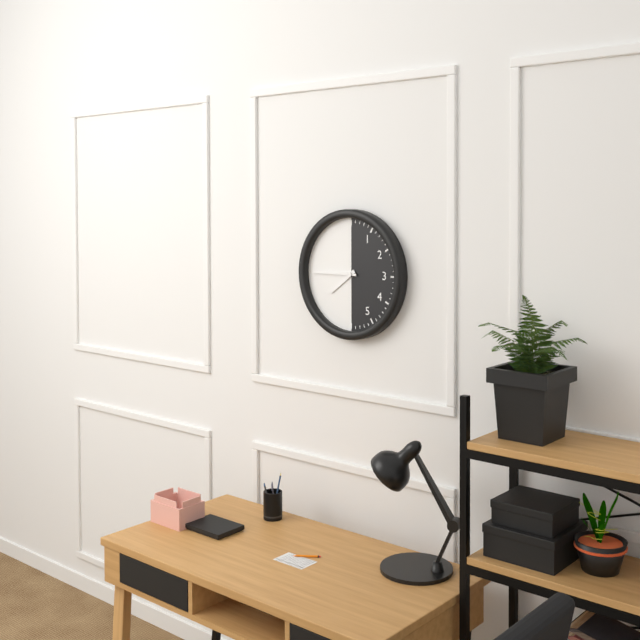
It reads 7.45
